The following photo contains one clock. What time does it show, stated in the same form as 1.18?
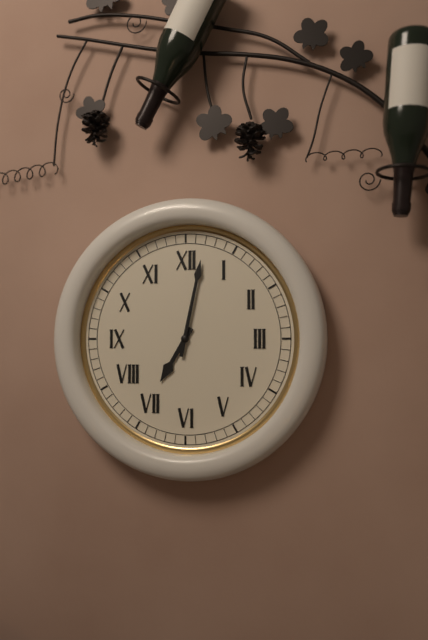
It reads 7.02
